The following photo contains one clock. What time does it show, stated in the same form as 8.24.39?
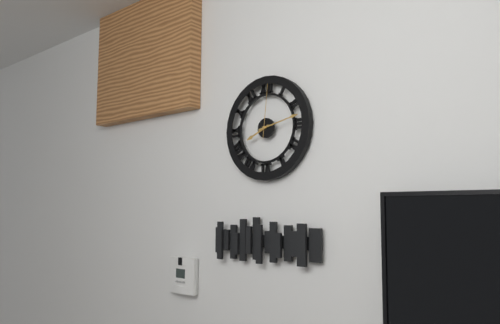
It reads 8.13.01
